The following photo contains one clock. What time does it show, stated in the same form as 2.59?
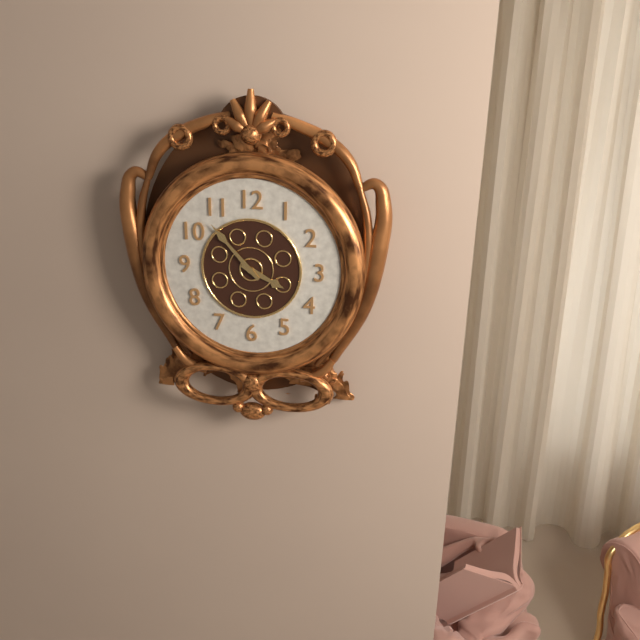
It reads 3.53
